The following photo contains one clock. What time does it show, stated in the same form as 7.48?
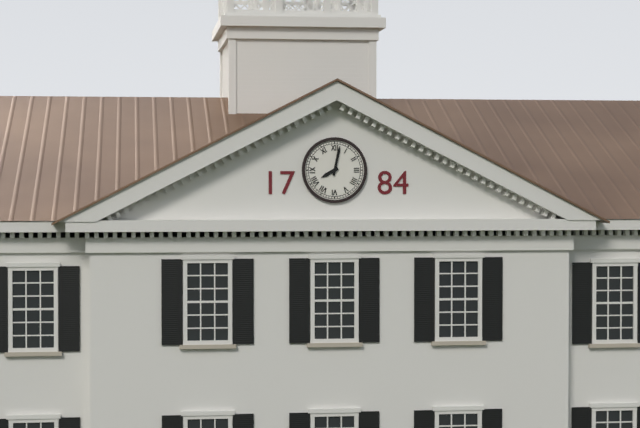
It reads 8.02
